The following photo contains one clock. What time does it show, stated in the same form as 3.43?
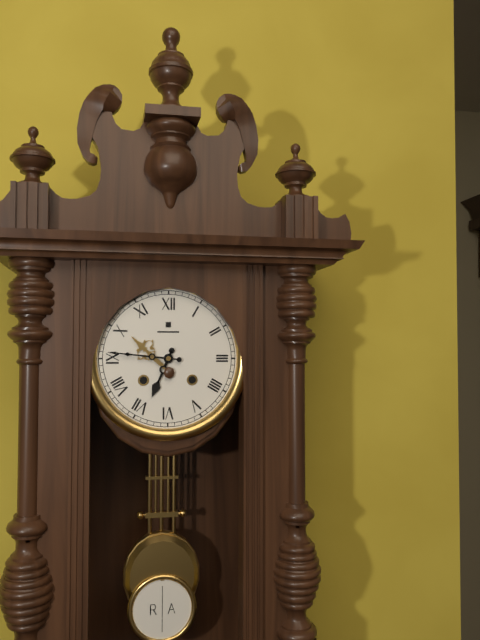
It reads 6.46
